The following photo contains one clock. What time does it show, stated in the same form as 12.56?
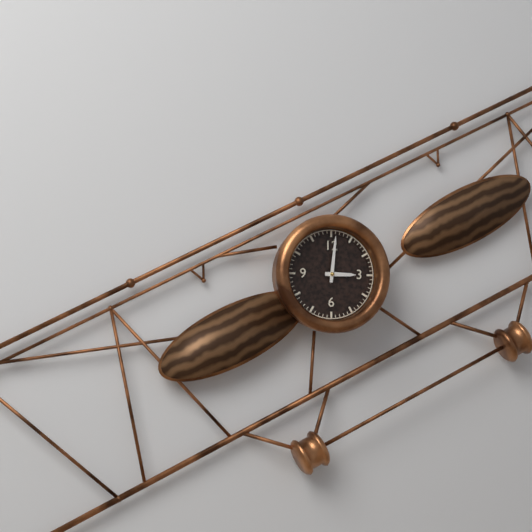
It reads 3.01
